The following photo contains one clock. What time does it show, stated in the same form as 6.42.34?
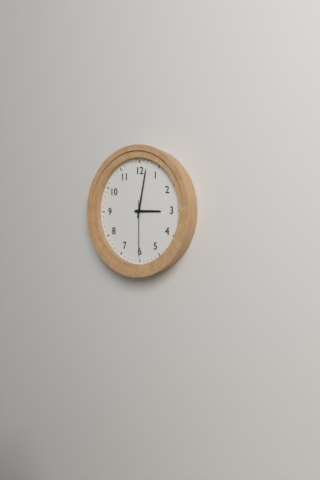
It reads 3.02.30
